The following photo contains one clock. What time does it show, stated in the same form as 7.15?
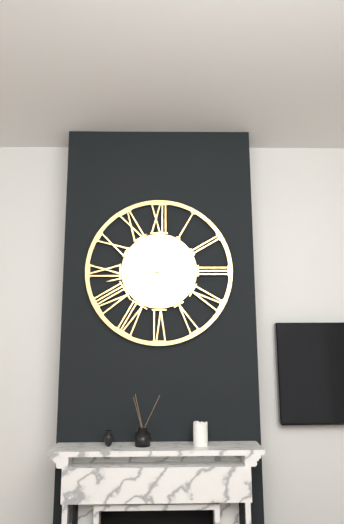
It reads 3.43
